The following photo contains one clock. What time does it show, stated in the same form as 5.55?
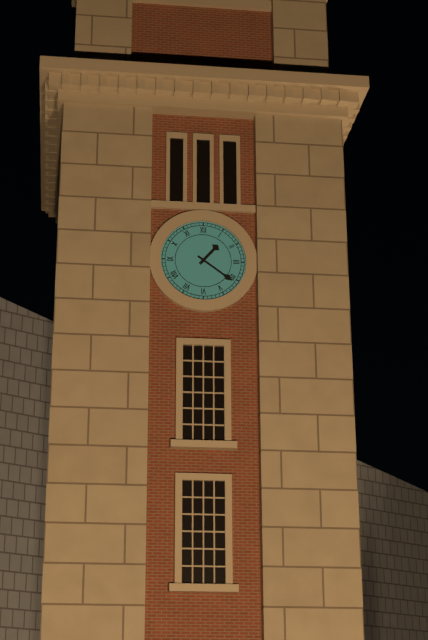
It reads 1.21
